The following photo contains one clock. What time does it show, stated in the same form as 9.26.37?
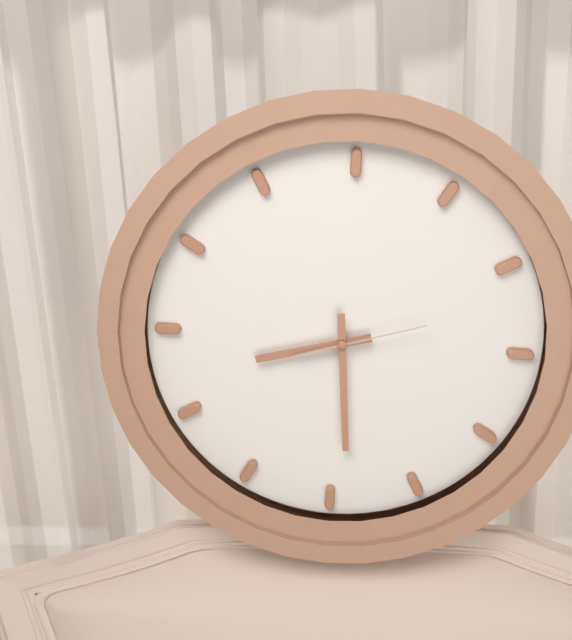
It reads 8.29.12
